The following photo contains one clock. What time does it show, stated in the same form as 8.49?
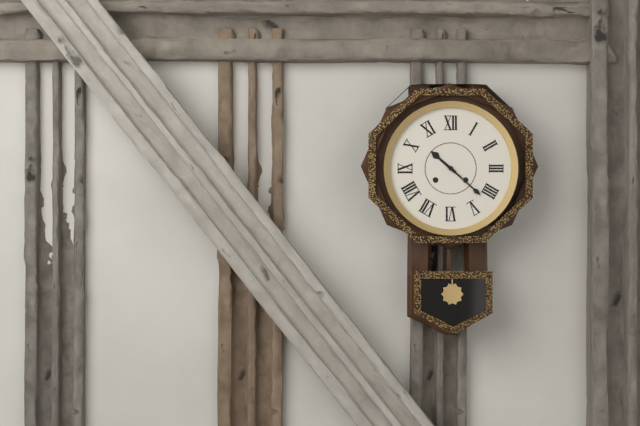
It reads 10.22
